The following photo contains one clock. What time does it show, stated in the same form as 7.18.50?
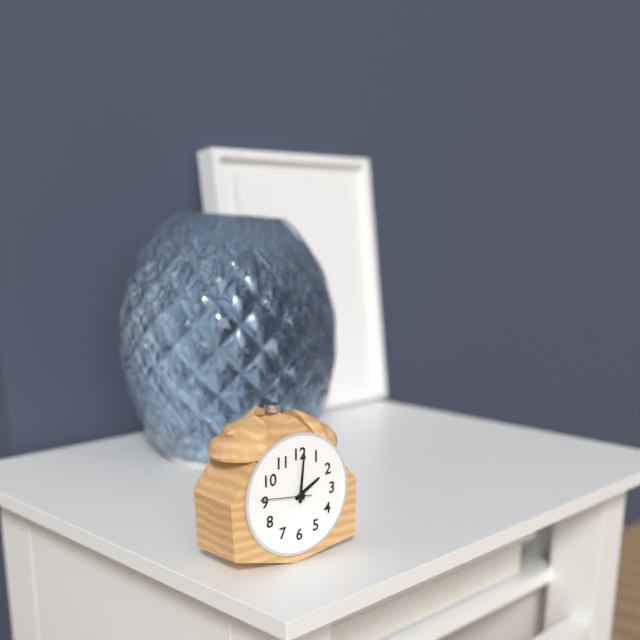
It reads 2.01.46
